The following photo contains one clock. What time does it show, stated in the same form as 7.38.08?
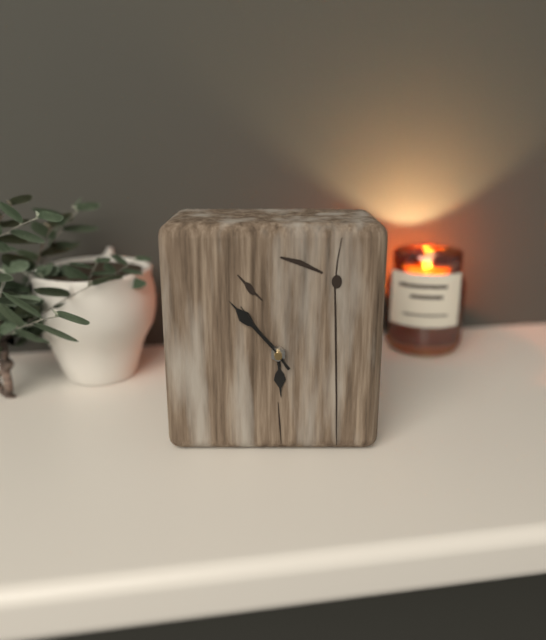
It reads 5.53.54
